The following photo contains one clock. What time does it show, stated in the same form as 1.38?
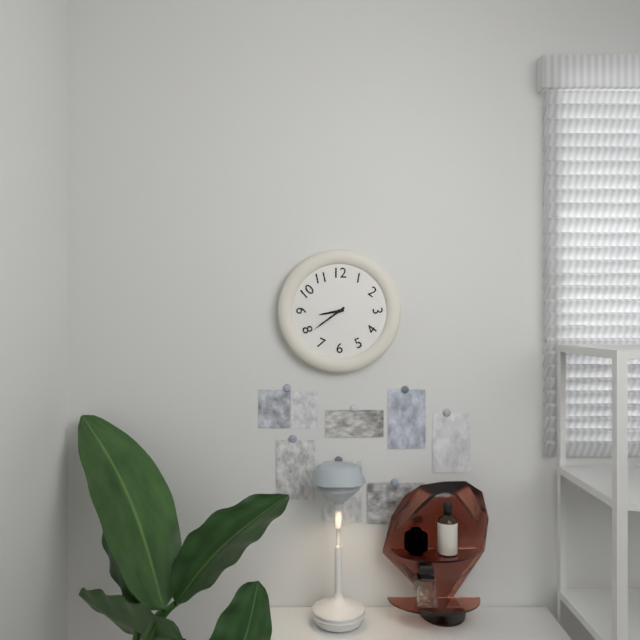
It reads 8.39
